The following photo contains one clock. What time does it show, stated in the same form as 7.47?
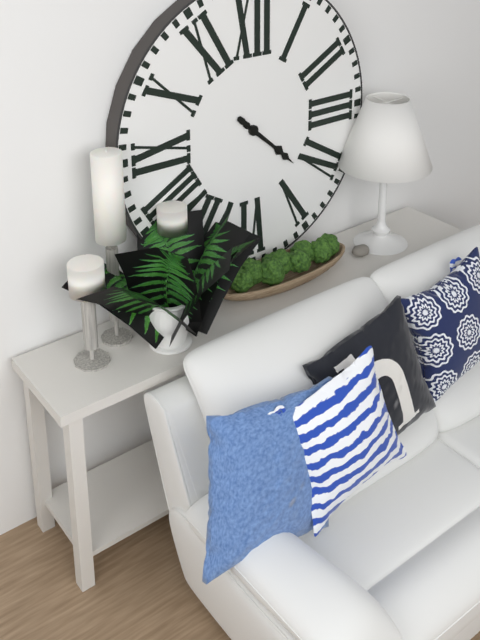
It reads 4.22
